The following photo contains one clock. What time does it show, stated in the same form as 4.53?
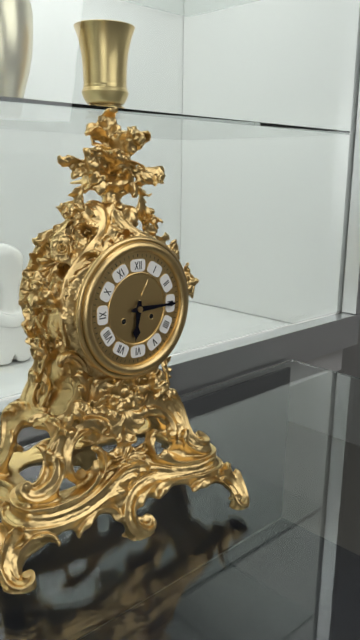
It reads 6.15
